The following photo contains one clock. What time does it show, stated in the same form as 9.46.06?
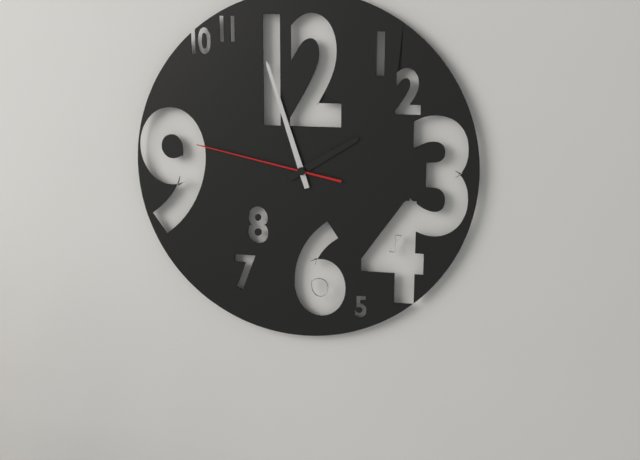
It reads 1.57.47
